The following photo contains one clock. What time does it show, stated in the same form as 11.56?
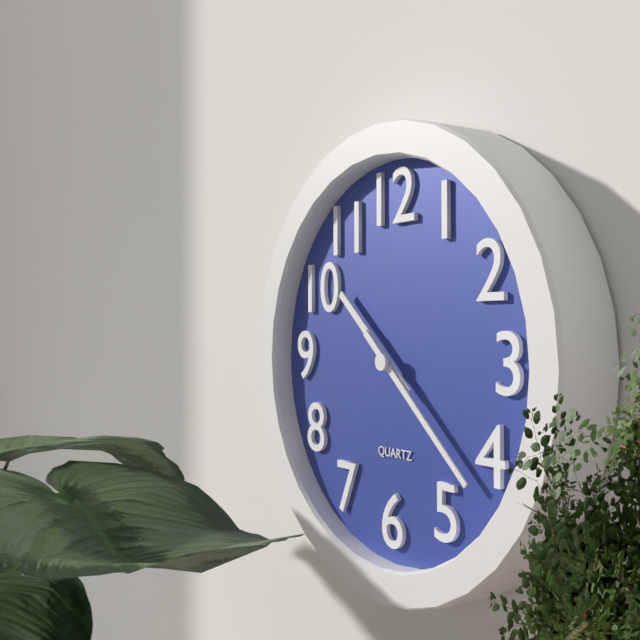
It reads 10.22
